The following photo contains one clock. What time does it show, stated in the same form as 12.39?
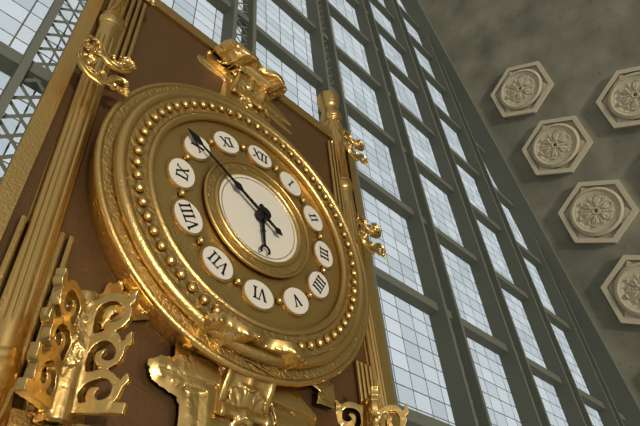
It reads 5.50
